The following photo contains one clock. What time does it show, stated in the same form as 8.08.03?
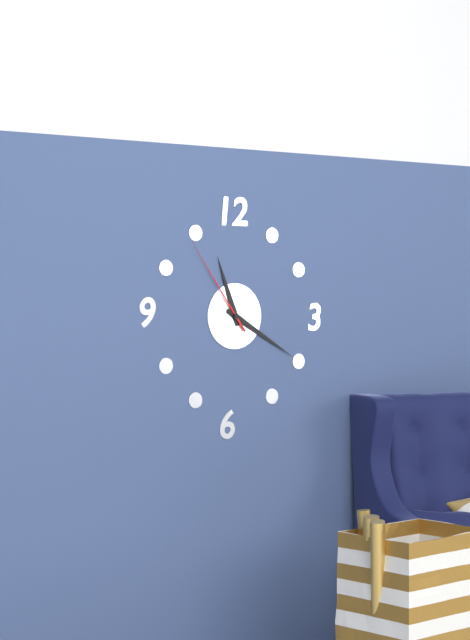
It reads 11.20.54
